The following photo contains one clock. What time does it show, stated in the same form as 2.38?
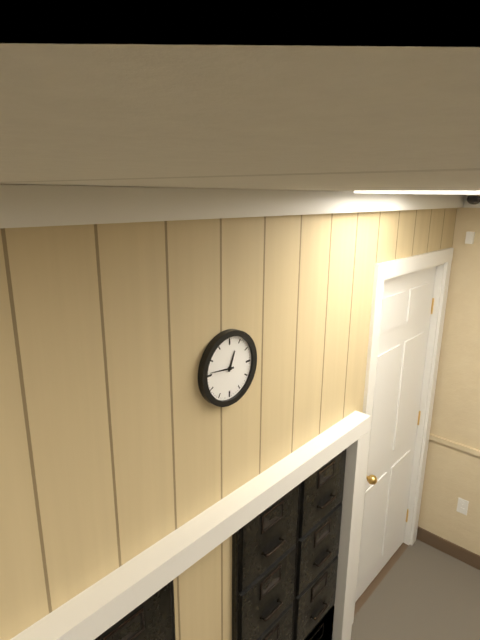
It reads 12.46
